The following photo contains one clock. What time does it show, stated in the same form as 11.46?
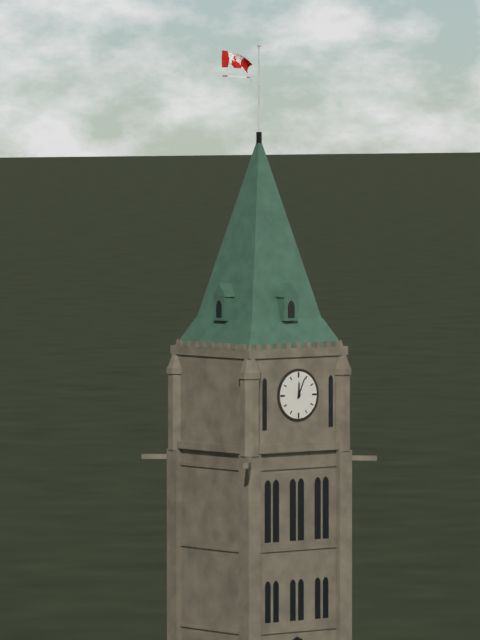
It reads 12.04
